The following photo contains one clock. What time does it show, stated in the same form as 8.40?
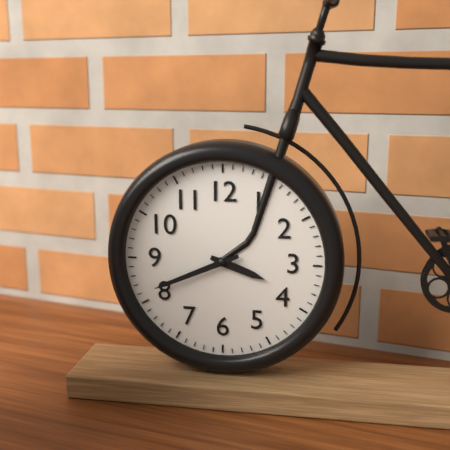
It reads 3.41
